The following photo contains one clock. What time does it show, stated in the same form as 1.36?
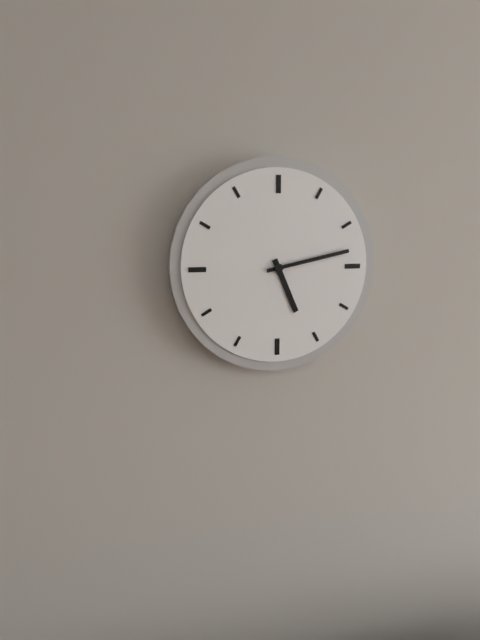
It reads 5.13
